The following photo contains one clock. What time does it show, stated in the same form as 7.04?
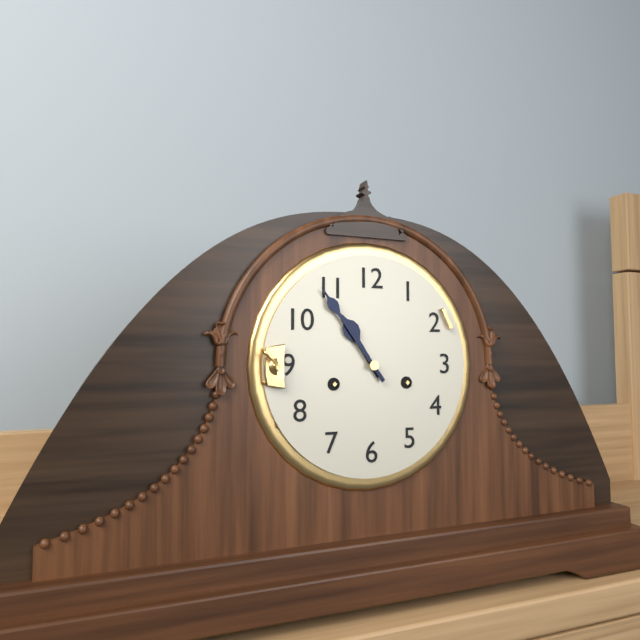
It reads 10.54
